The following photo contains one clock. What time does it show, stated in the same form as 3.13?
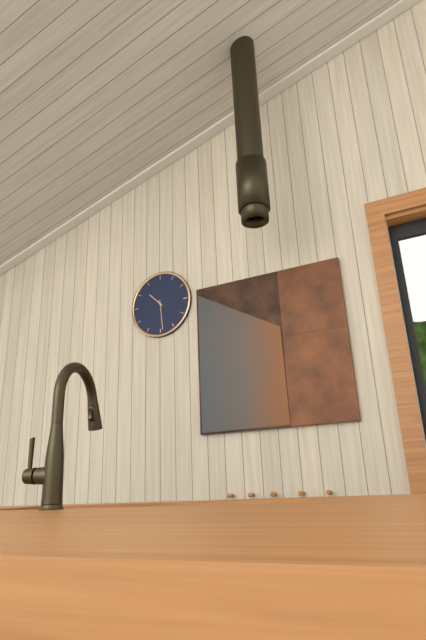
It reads 10.29
